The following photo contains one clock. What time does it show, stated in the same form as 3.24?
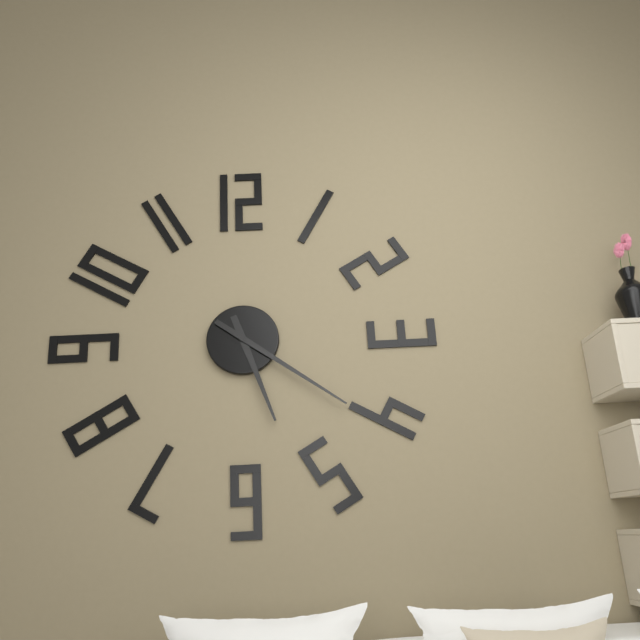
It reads 5.21
